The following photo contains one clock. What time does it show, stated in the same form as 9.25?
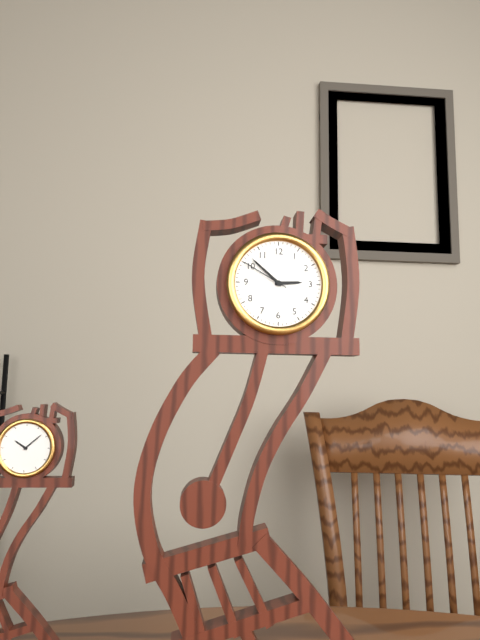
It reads 2.52
